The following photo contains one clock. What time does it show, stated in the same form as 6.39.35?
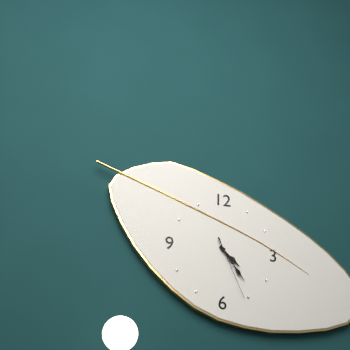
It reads 4.24.26
